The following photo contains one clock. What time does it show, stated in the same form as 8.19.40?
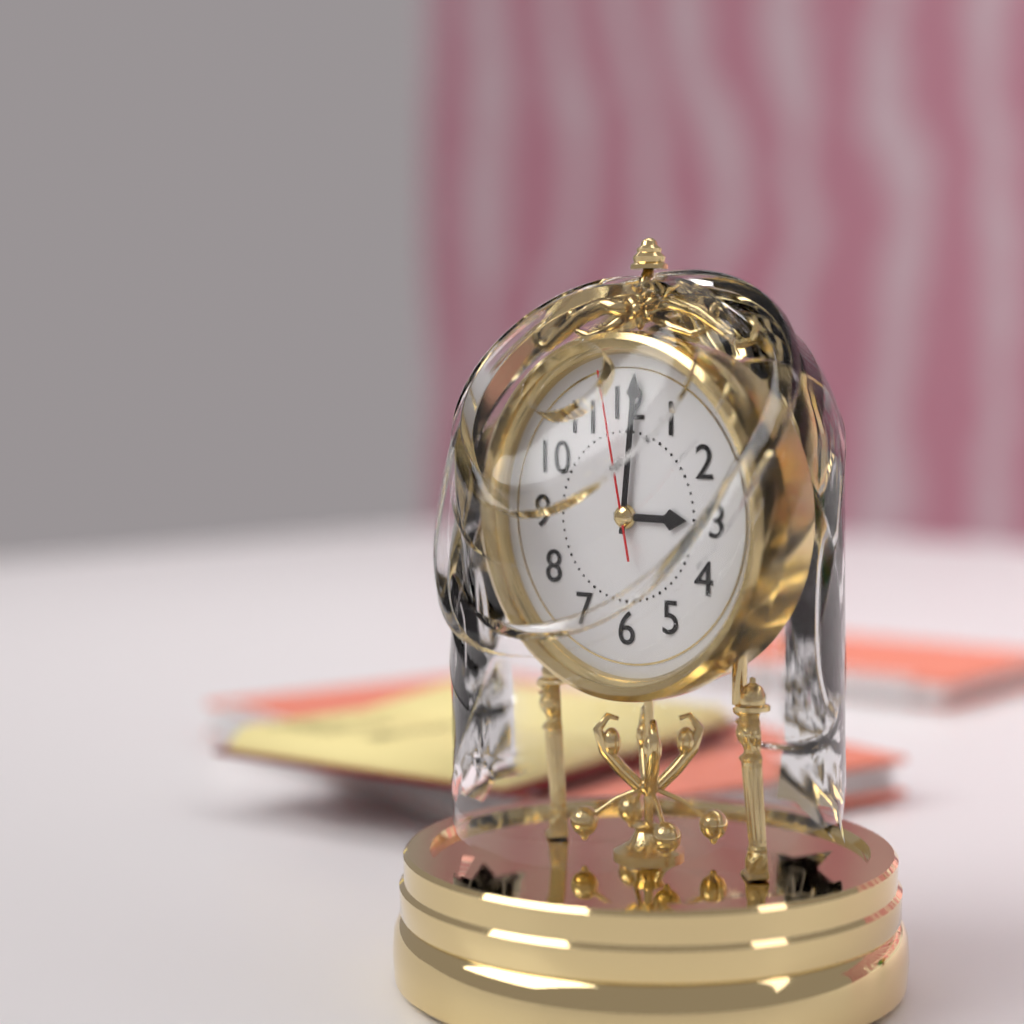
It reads 3.01.58
